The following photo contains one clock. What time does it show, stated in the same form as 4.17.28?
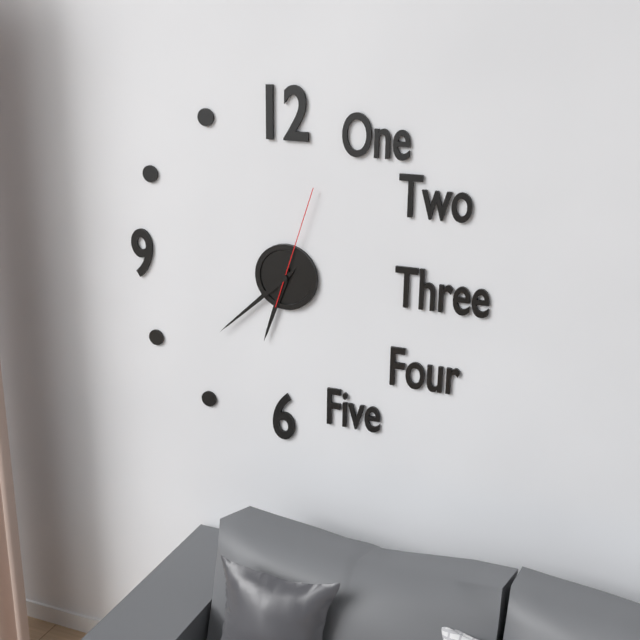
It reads 6.38.03
